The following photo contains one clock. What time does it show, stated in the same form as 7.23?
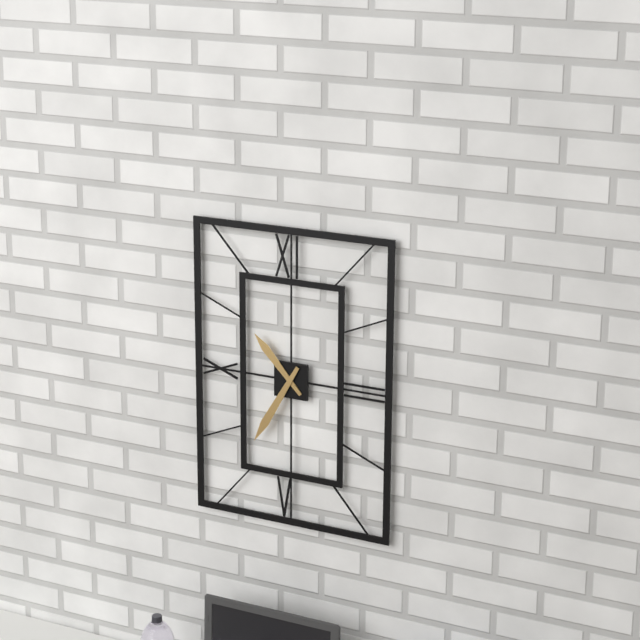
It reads 10.35
